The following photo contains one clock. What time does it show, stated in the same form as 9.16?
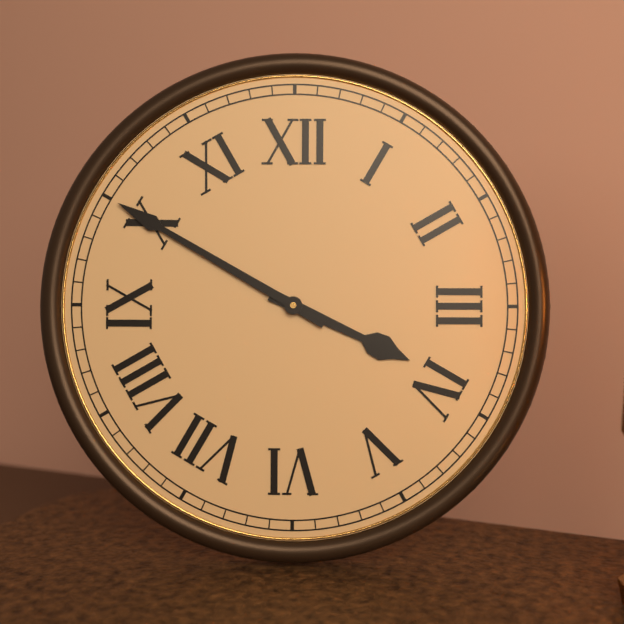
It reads 3.50
